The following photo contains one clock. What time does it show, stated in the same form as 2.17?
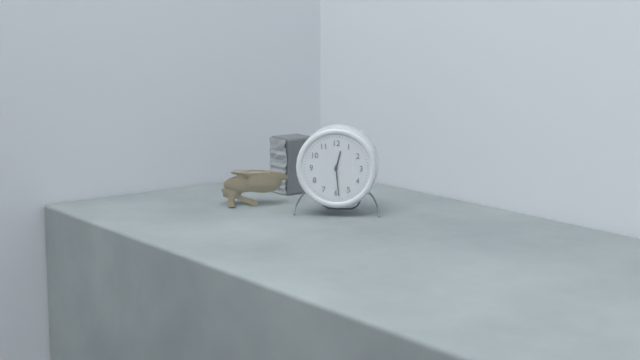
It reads 12.29
